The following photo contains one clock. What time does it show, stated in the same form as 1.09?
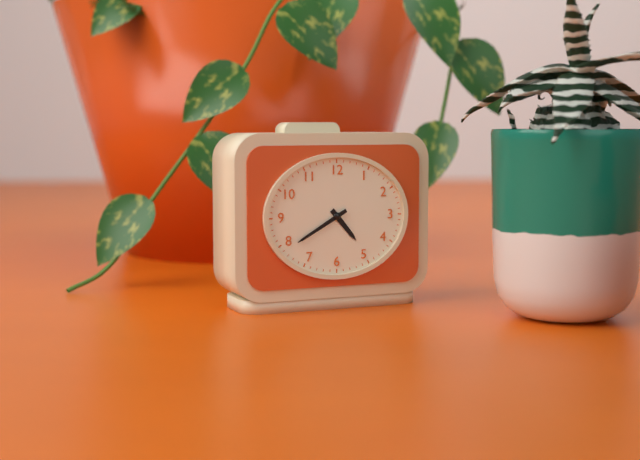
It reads 4.40
